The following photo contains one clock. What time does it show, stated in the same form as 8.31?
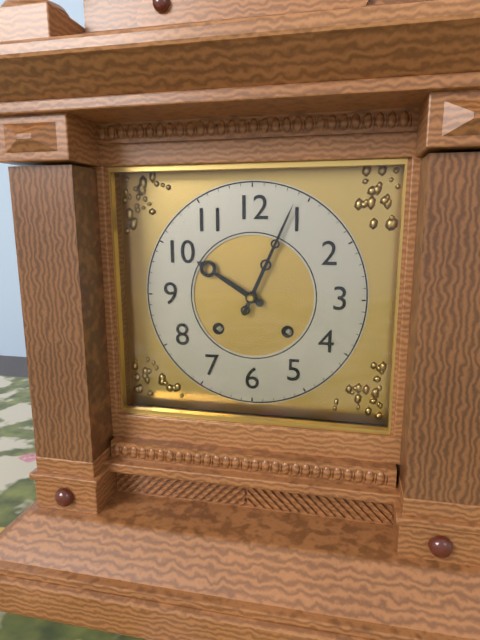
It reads 10.04
